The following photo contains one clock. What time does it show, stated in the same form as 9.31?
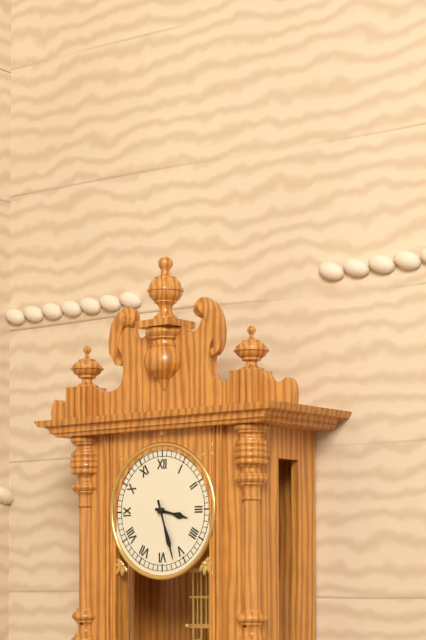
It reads 3.27
